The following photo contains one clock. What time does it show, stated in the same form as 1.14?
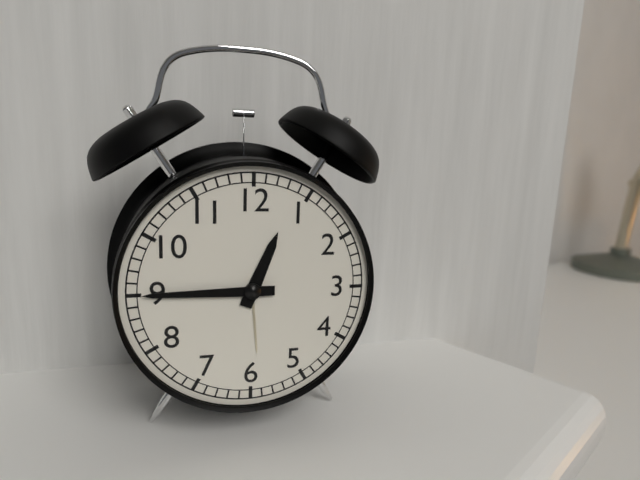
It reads 12.45
